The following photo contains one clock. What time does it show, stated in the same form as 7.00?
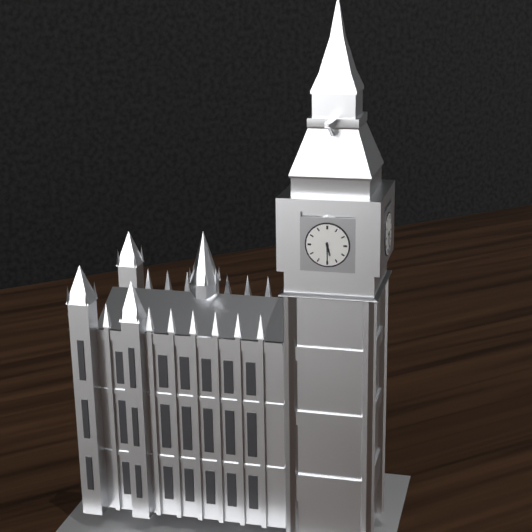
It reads 5.30
